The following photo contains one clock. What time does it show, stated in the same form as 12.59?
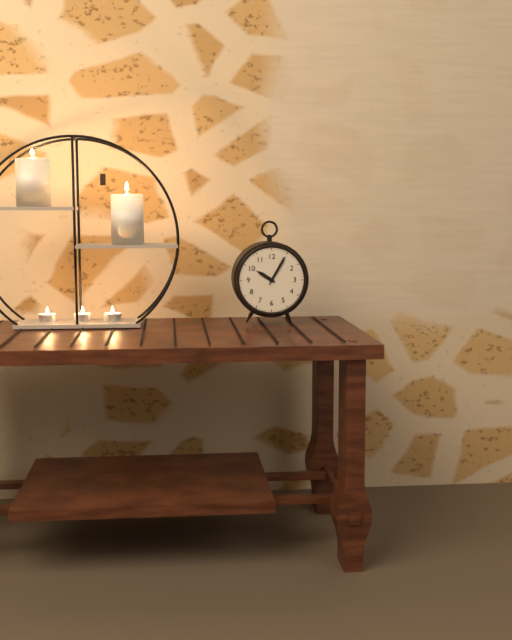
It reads 10.05
